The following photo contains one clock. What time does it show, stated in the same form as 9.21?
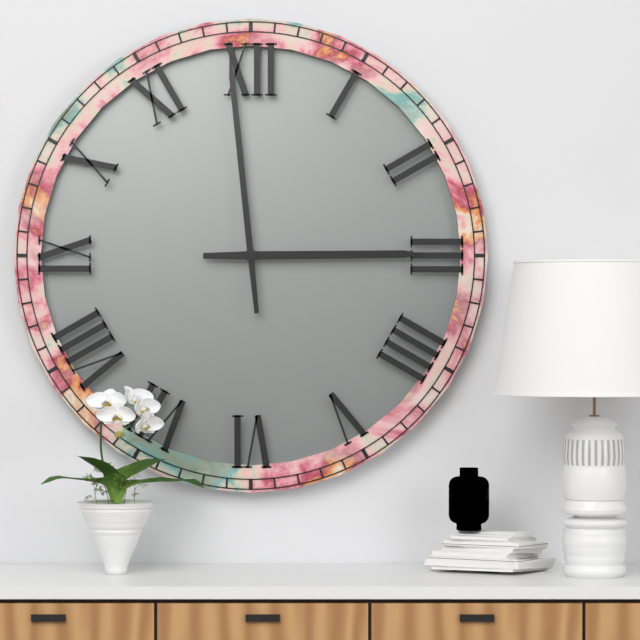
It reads 2.59
